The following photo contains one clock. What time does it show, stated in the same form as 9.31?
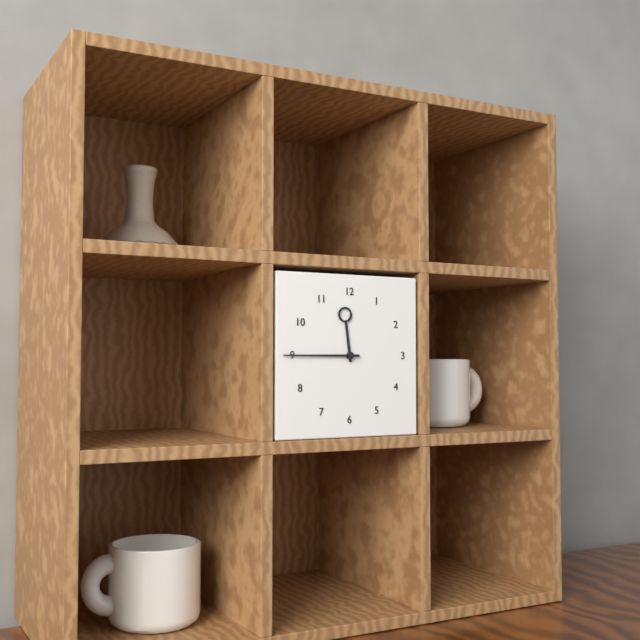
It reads 11.45
